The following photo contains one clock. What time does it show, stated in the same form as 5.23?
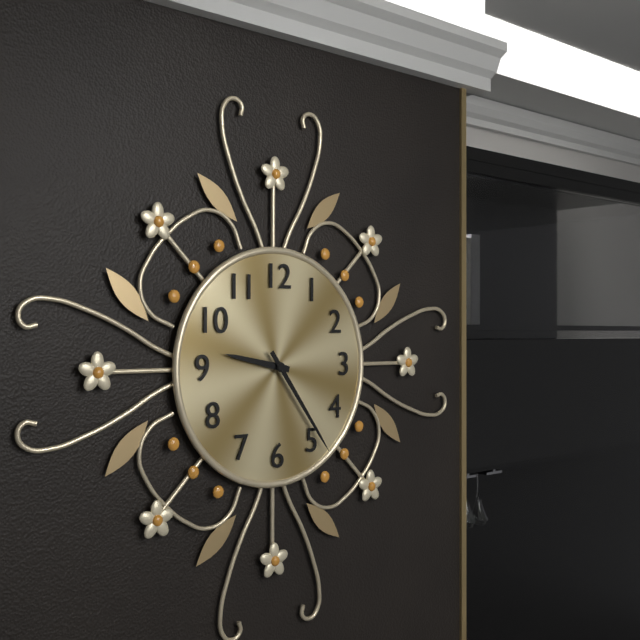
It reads 9.24
